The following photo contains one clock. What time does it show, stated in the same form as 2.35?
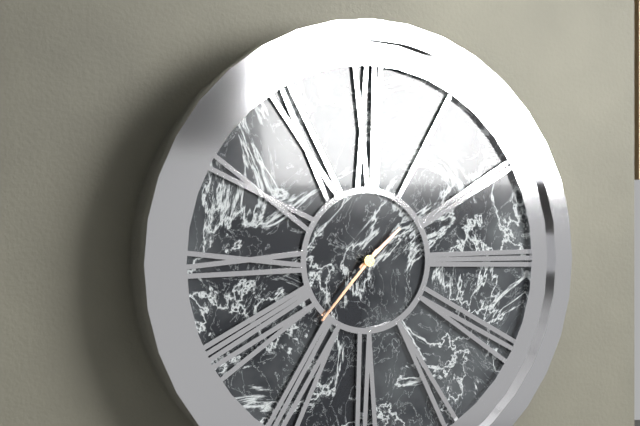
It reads 1.37
